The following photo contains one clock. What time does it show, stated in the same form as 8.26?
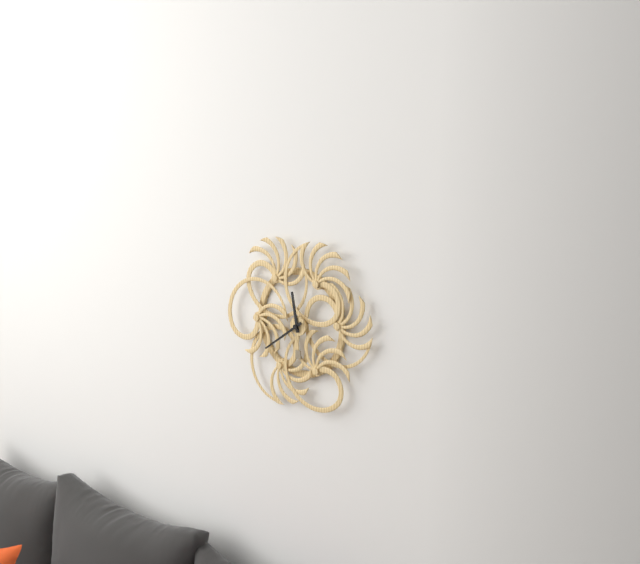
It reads 11.39
